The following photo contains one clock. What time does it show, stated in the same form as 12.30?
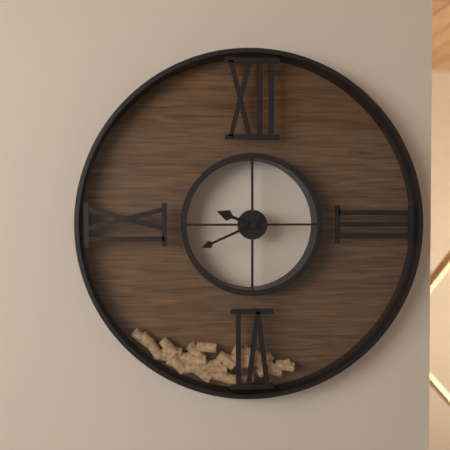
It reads 9.41
